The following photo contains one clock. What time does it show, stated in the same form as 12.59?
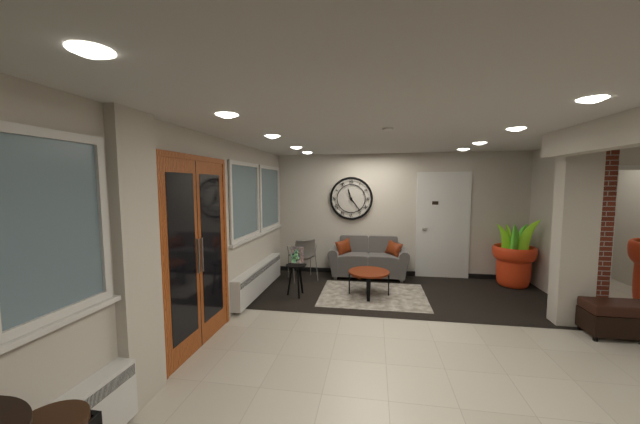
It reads 11.24
